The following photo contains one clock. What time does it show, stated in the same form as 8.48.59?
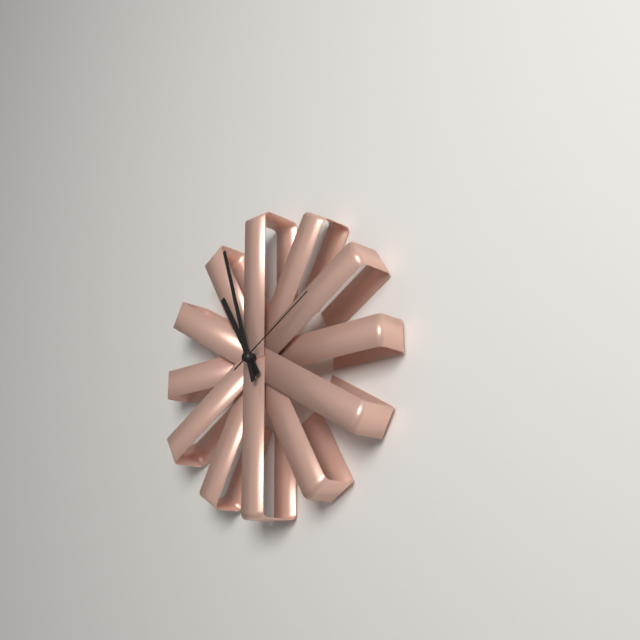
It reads 10.57.10
